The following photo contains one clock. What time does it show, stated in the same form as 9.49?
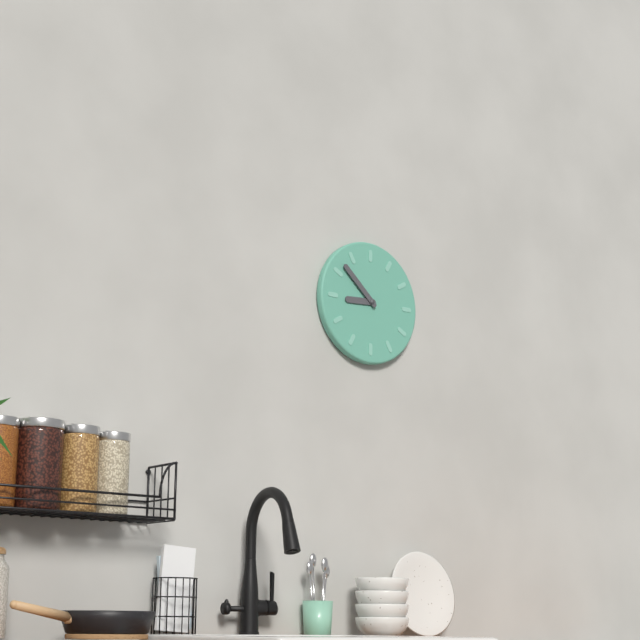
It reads 8.52
